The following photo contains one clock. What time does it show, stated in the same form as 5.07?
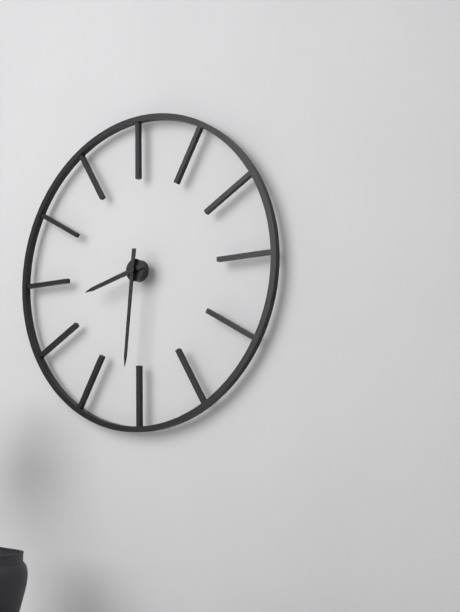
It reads 8.31
